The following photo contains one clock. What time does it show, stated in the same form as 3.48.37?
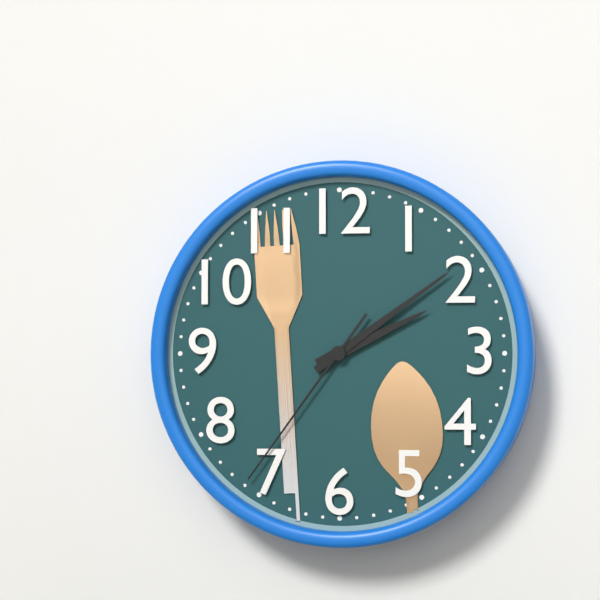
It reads 2.09.36
